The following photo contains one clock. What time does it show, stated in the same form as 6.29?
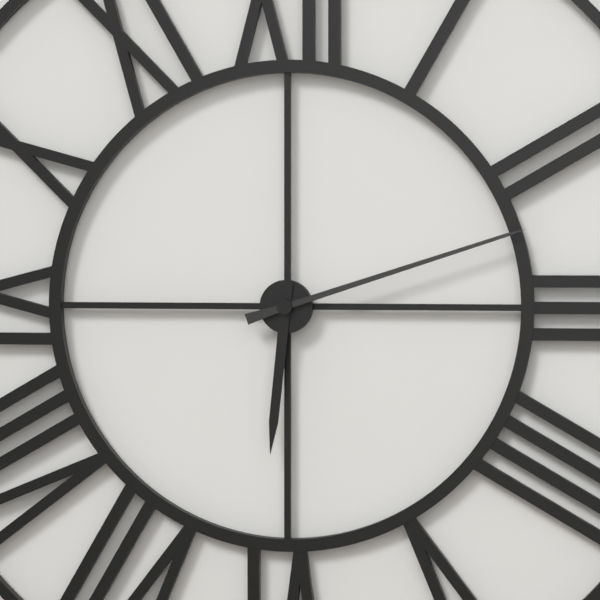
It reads 6.12
